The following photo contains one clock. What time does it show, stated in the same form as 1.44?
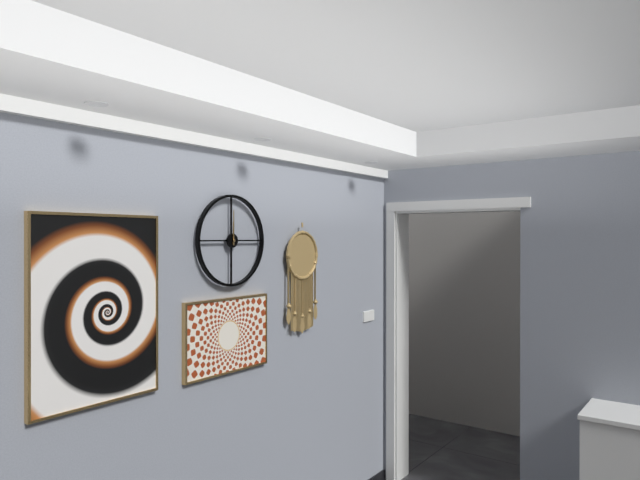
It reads 12.00
